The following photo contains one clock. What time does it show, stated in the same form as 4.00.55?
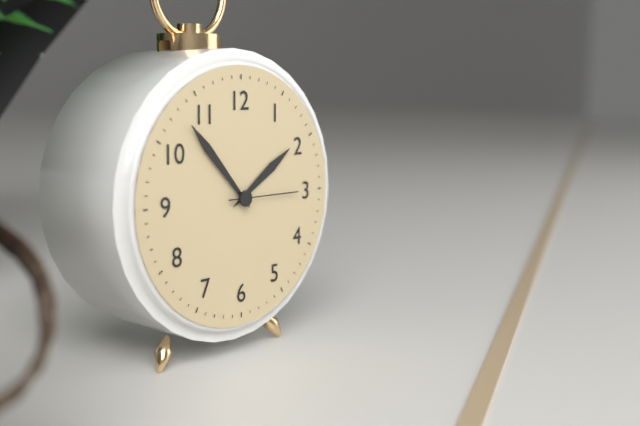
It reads 1.53.15
